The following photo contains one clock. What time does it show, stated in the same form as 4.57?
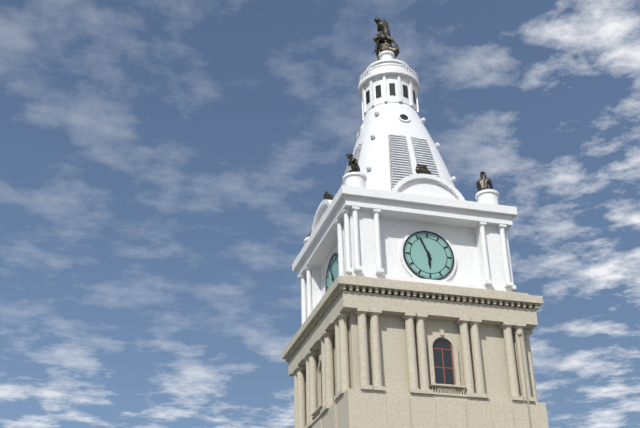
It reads 5.56
